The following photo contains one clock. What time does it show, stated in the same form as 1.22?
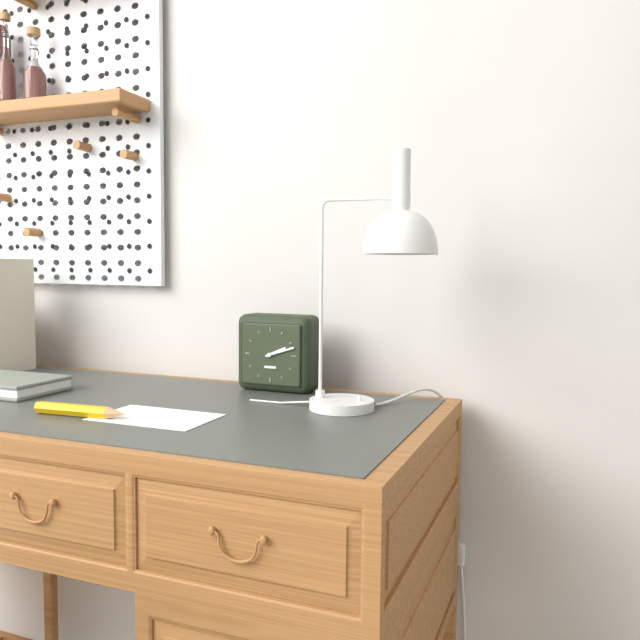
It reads 2.12
